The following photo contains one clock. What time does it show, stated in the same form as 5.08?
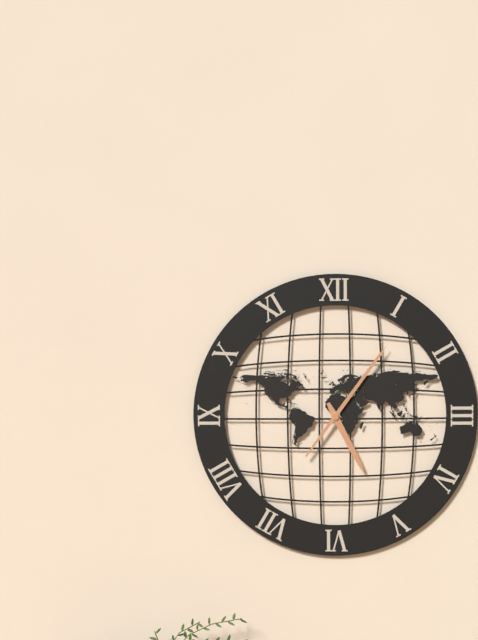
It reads 5.06
